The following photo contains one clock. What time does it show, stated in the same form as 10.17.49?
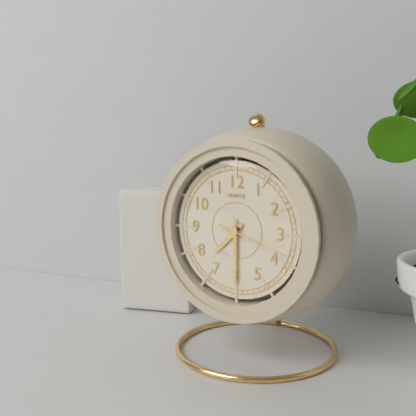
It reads 7.30.18
